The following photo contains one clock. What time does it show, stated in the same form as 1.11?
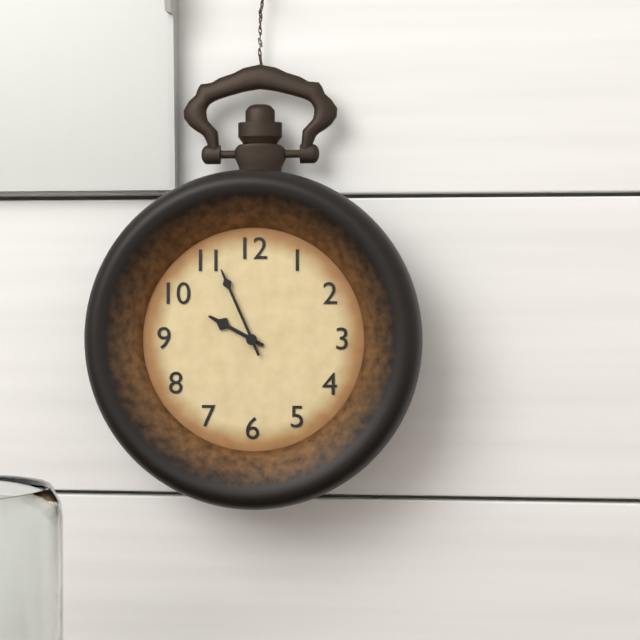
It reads 9.56
